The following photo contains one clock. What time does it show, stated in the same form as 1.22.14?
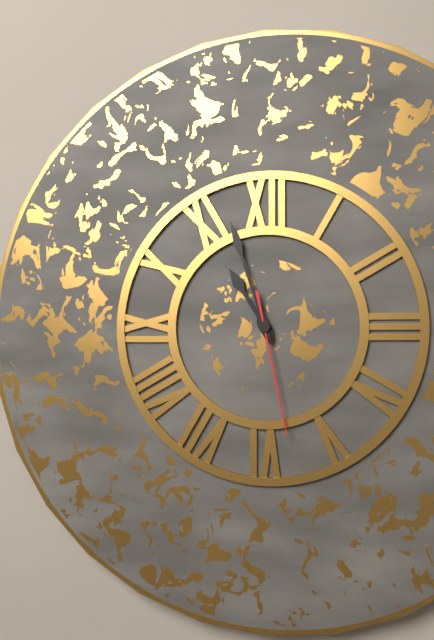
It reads 10.57.28
